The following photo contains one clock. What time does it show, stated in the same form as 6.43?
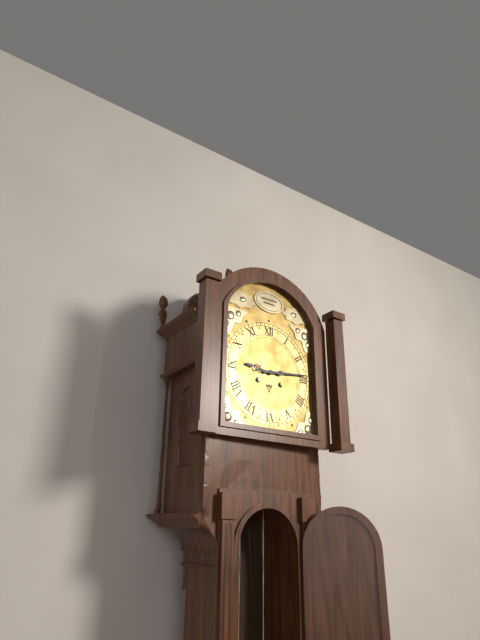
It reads 9.14
